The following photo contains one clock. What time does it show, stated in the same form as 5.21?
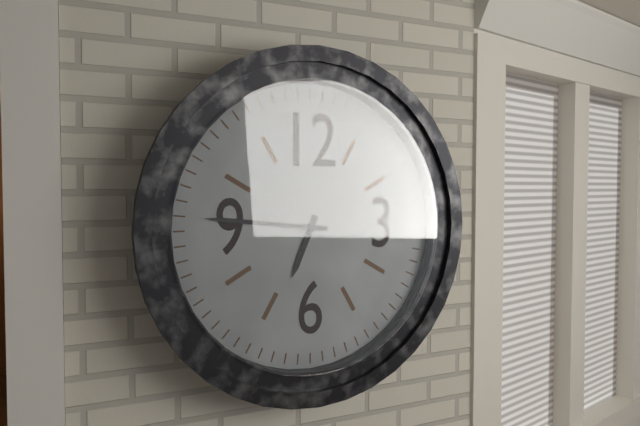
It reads 6.46
